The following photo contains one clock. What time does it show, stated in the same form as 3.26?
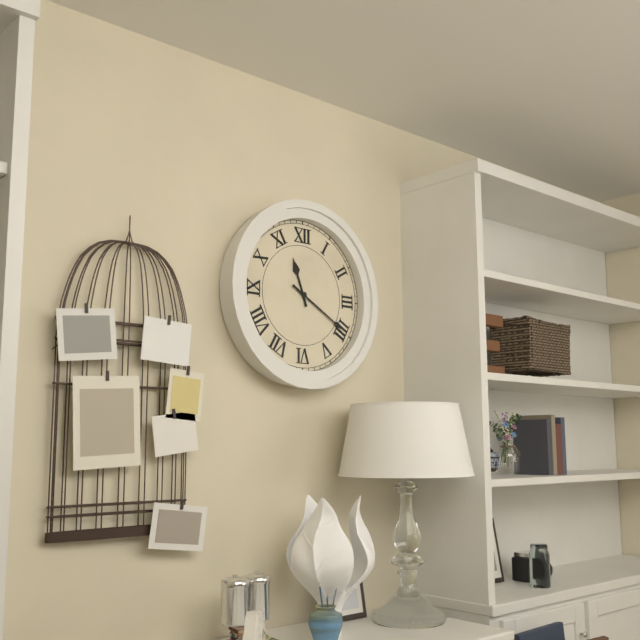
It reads 11.20
